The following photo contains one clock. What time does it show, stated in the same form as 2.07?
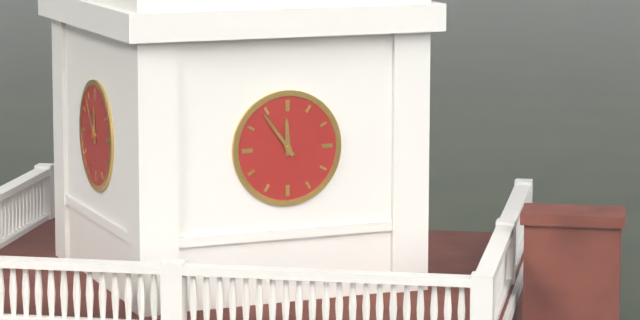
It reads 11.54
